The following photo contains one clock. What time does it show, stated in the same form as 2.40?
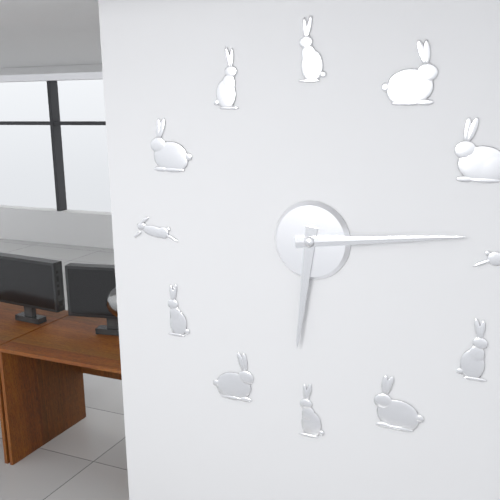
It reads 6.14
